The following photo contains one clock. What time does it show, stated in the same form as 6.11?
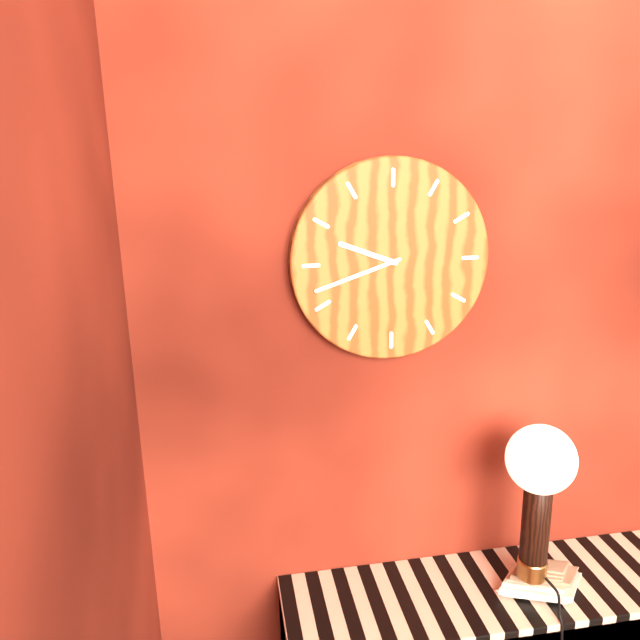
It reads 9.42
